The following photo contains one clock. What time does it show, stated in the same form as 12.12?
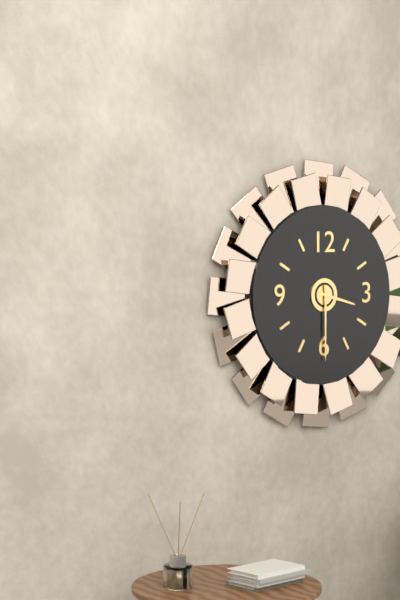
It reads 3.30
